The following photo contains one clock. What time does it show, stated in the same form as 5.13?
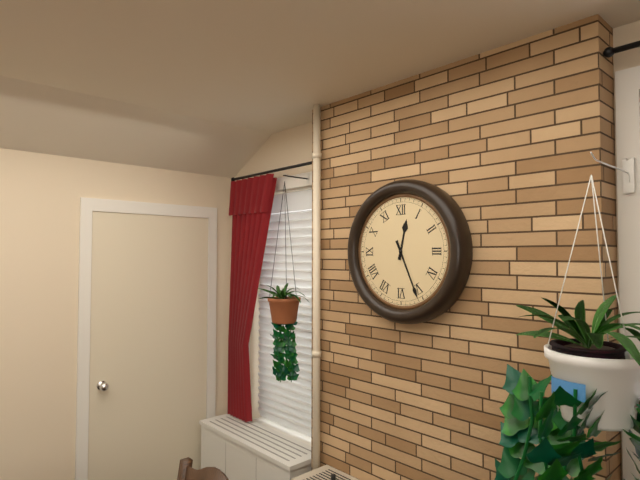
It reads 12.26
